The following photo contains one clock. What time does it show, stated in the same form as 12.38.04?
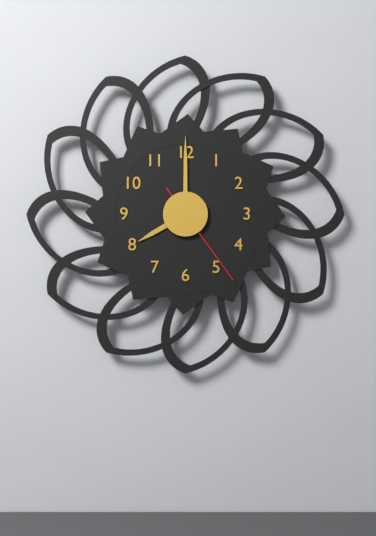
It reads 8.00.24
